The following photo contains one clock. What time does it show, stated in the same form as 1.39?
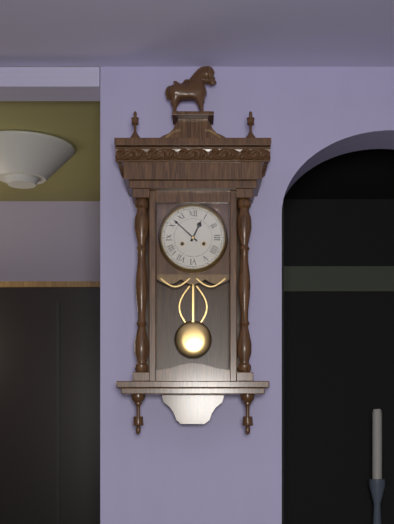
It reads 12.52
